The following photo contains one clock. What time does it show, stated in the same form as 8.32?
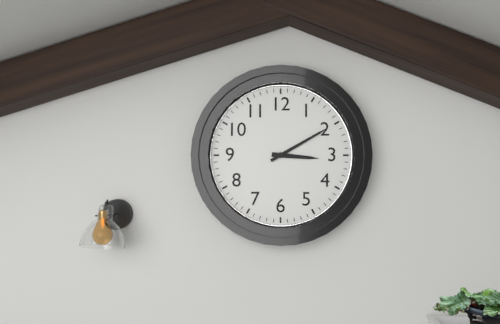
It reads 3.10
